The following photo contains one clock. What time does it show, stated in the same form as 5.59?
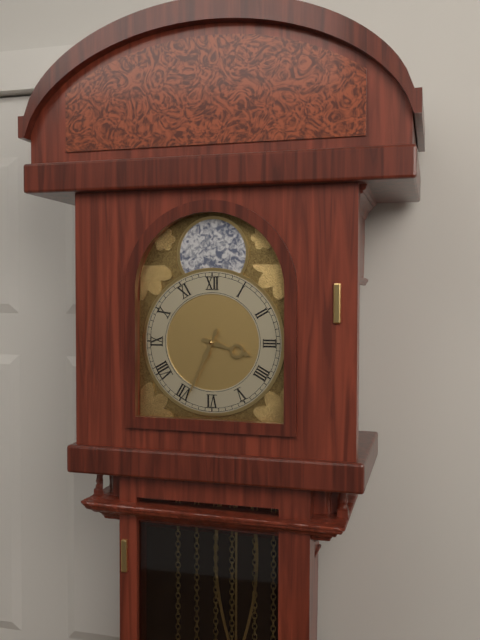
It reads 3.34
